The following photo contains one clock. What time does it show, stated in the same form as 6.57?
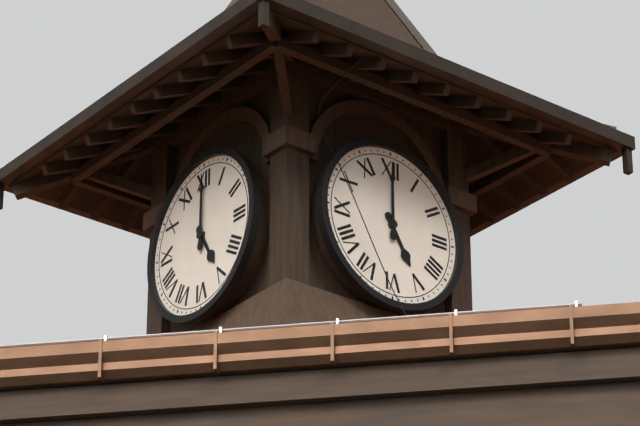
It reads 5.00
